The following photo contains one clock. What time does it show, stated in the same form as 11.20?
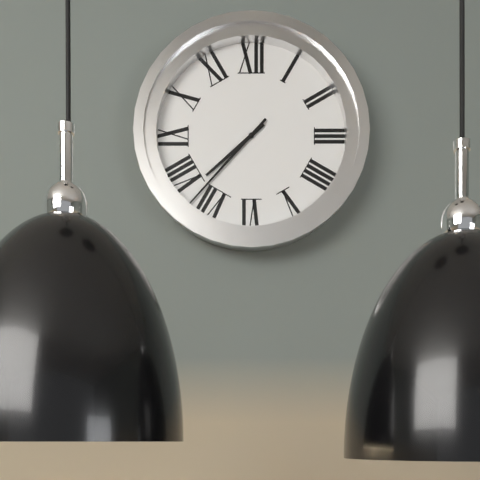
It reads 7.37
